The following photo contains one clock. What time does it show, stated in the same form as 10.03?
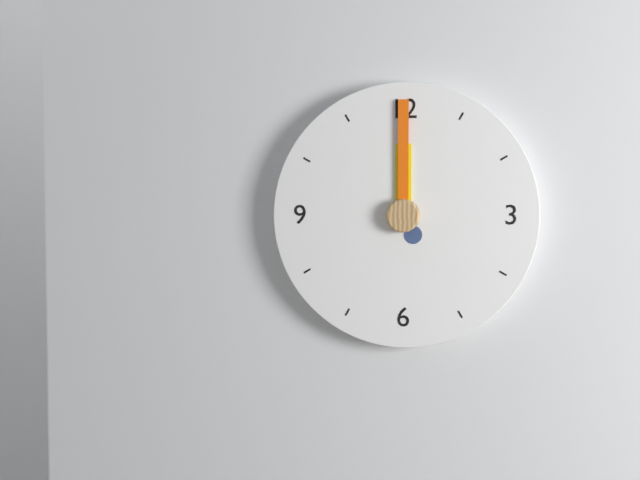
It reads 12.00
